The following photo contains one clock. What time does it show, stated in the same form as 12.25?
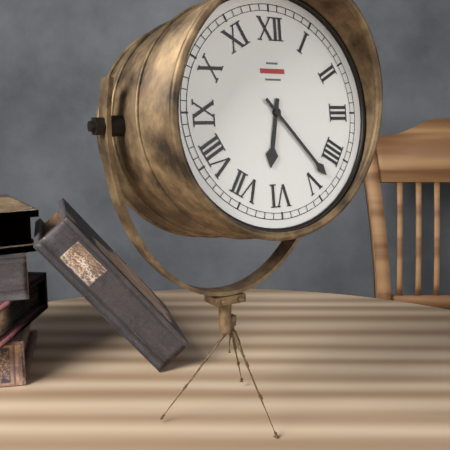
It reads 6.23
